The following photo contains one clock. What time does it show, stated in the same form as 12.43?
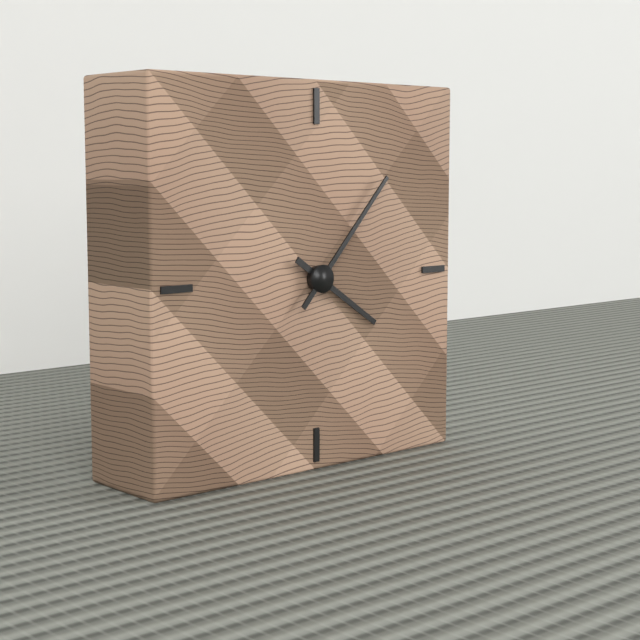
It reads 4.07
